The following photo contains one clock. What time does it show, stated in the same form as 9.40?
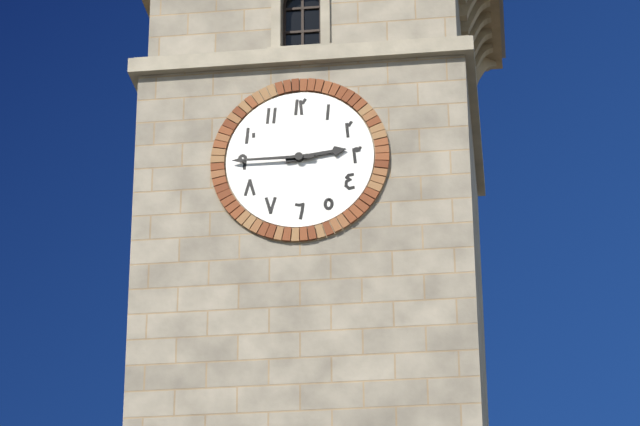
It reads 2.45
